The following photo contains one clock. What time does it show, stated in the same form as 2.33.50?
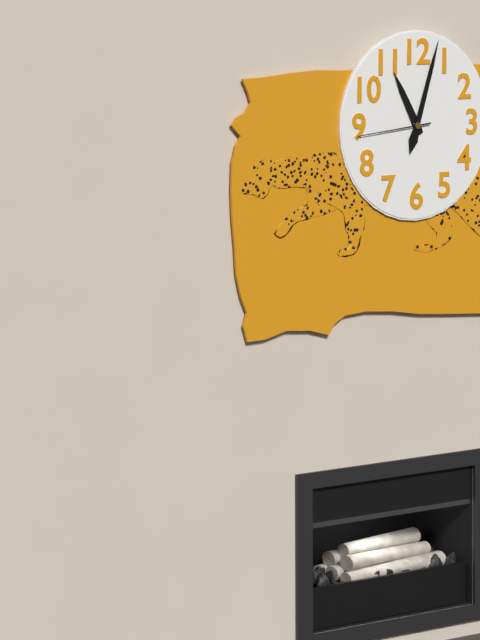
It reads 11.03.44
